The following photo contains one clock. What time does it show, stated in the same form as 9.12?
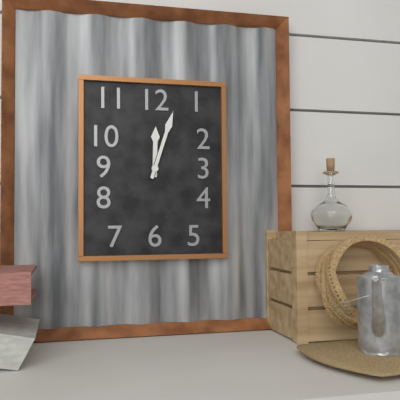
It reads 12.03
